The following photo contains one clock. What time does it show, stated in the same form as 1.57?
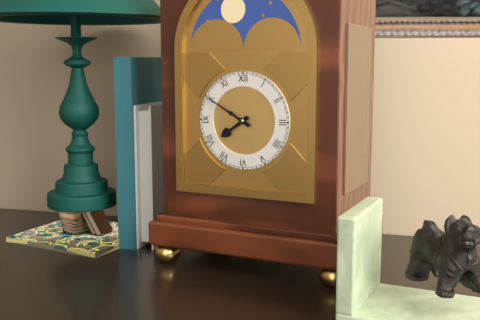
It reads 7.50
